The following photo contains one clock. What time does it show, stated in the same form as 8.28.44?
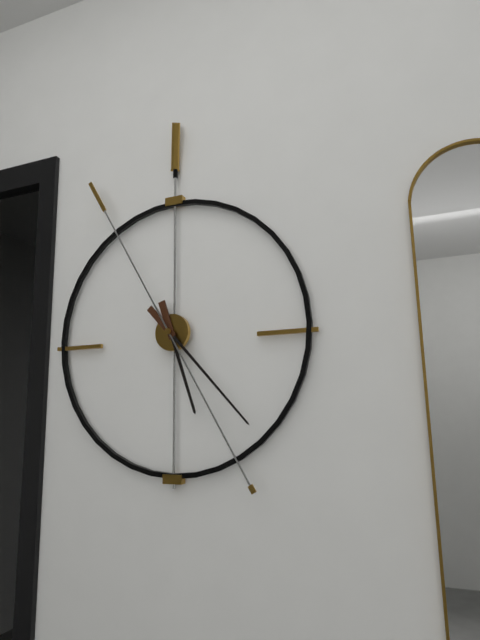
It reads 5.23.55
